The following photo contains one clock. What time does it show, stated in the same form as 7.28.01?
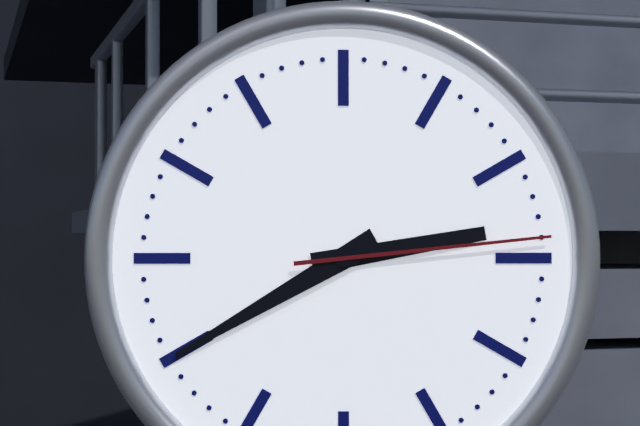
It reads 2.40.14
